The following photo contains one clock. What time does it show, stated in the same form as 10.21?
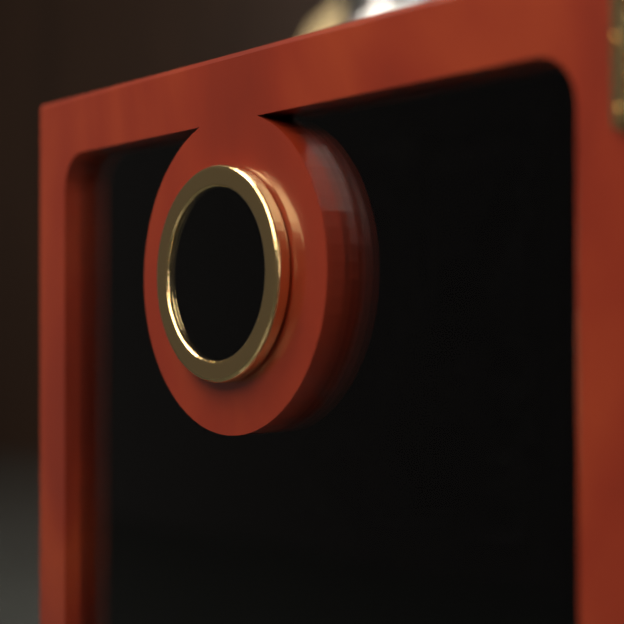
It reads 12.34
